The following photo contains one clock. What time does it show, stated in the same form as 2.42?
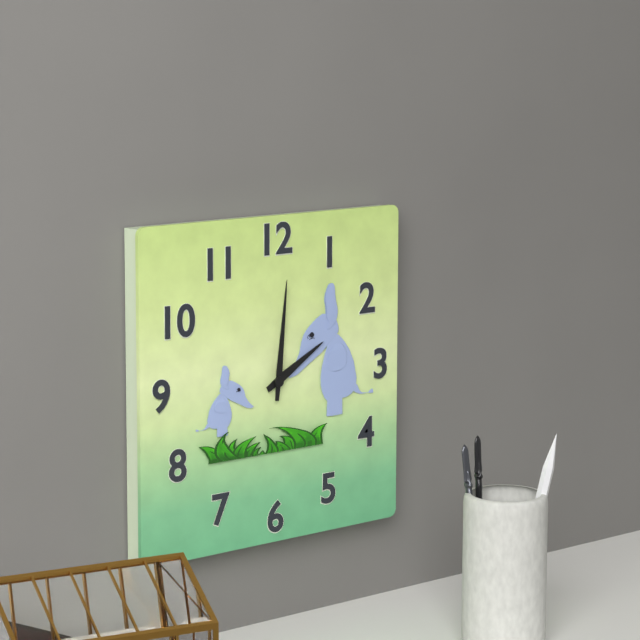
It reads 2.01
